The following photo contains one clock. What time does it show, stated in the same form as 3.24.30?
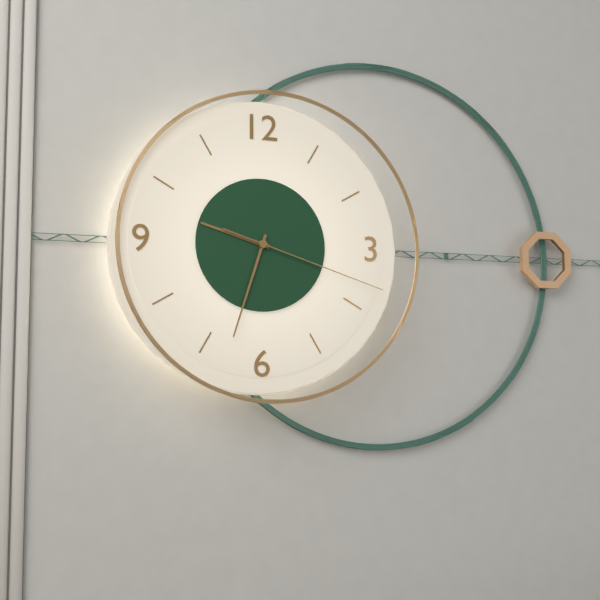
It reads 9.33.18
